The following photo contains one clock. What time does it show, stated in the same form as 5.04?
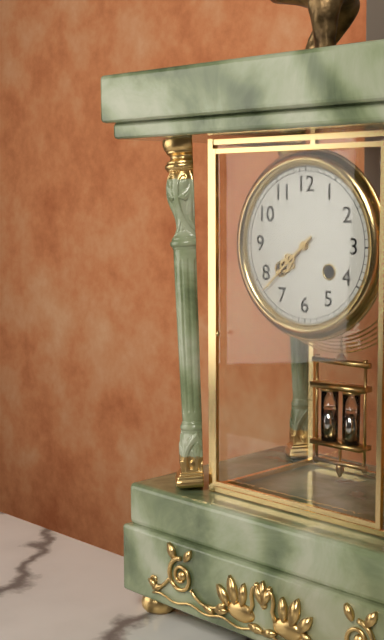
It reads 7.38
